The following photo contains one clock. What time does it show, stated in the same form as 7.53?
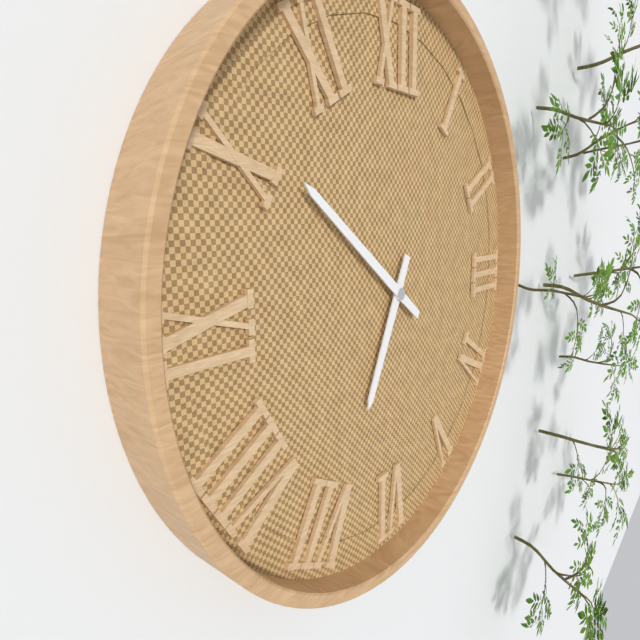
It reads 6.51
